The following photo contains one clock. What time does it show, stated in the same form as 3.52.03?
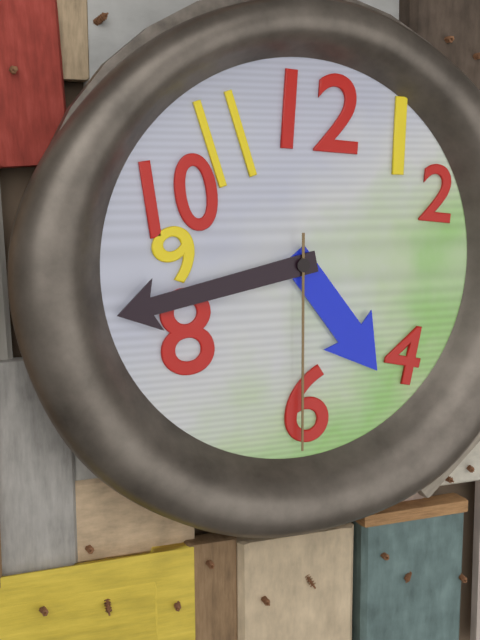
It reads 4.43.30
